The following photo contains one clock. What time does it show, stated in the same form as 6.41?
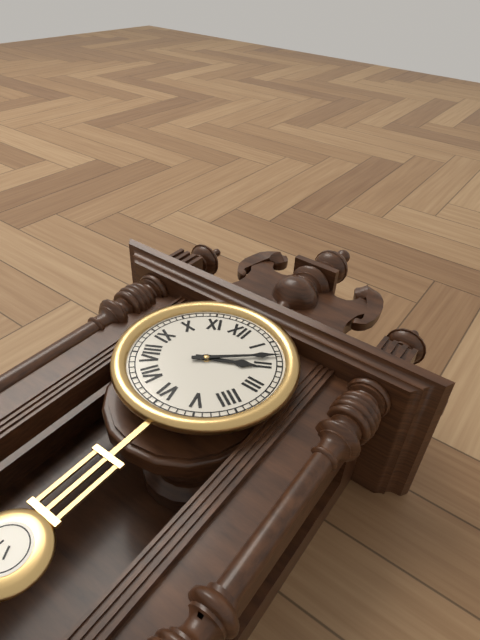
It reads 2.08
